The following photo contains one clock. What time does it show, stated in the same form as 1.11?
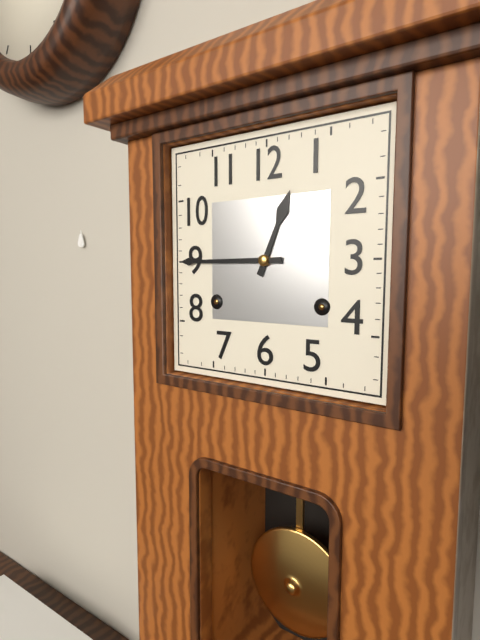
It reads 12.45
